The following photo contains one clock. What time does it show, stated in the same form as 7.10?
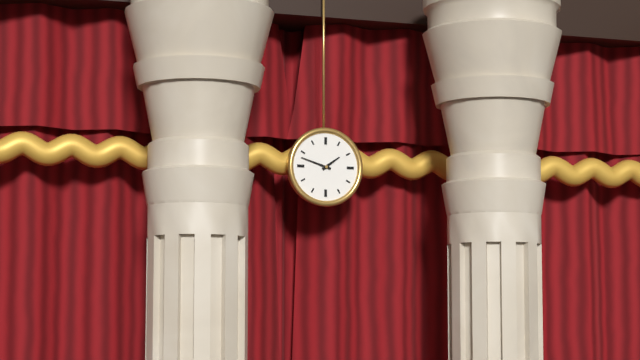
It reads 1.48
